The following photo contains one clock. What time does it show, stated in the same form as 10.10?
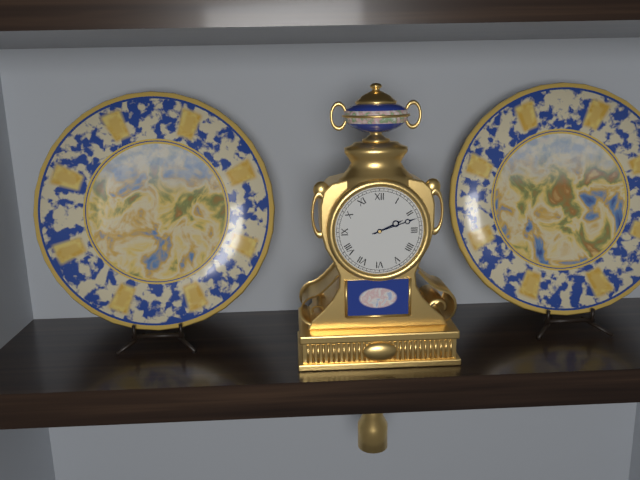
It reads 2.12
